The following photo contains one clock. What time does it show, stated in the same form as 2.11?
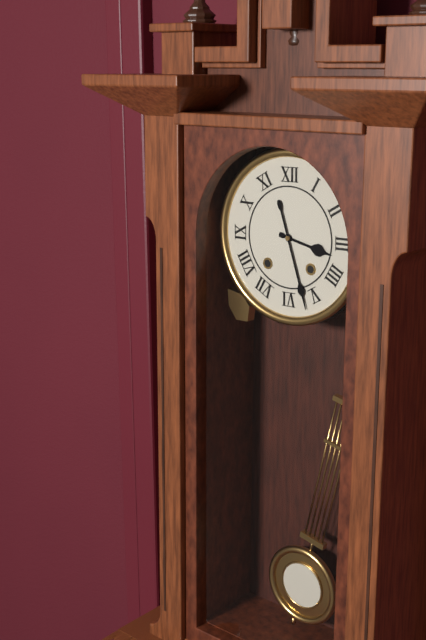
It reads 3.27
